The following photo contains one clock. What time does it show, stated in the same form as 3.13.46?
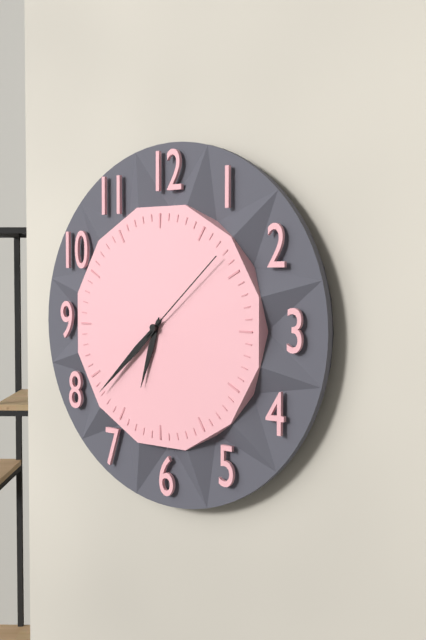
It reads 6.38.08
